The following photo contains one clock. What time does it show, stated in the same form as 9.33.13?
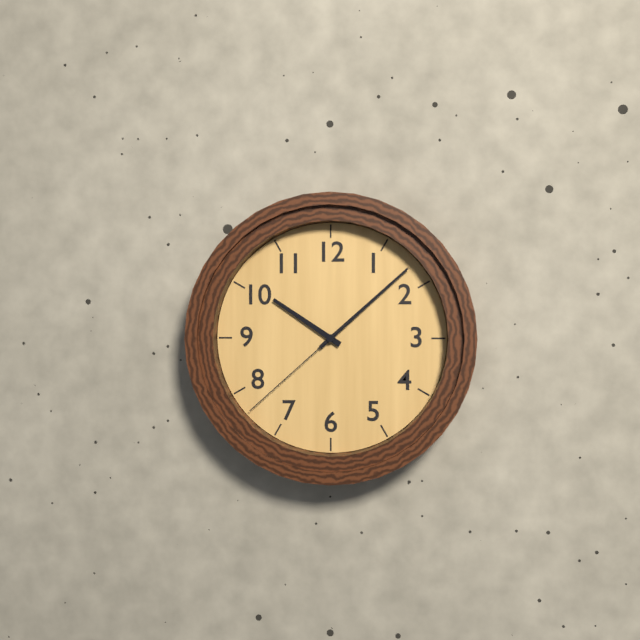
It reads 10.08.38
